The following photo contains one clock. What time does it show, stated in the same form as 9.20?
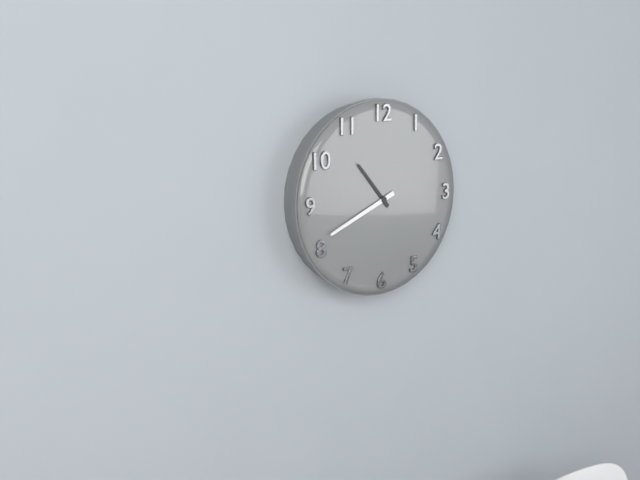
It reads 10.41
